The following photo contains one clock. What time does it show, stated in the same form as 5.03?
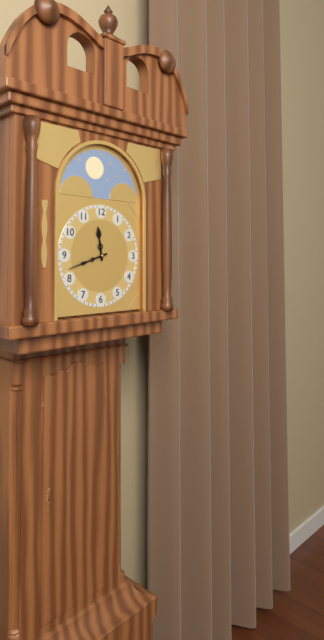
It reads 11.42
